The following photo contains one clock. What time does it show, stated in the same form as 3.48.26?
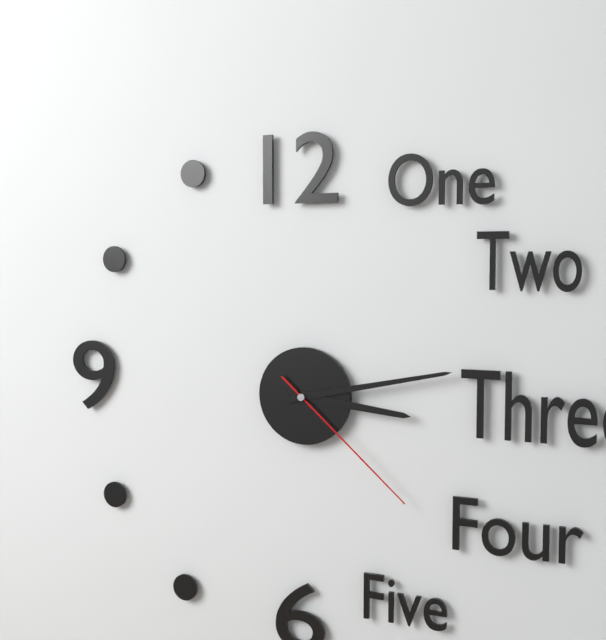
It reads 3.13.22
